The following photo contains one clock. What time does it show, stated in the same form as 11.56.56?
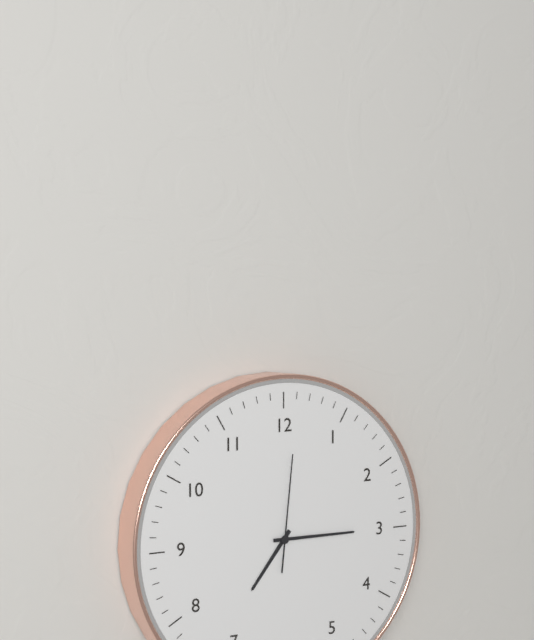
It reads 7.15.01
